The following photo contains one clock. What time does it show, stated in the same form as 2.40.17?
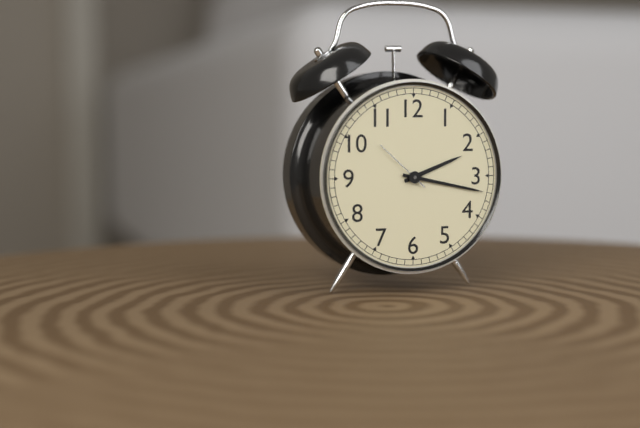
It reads 2.17.52
